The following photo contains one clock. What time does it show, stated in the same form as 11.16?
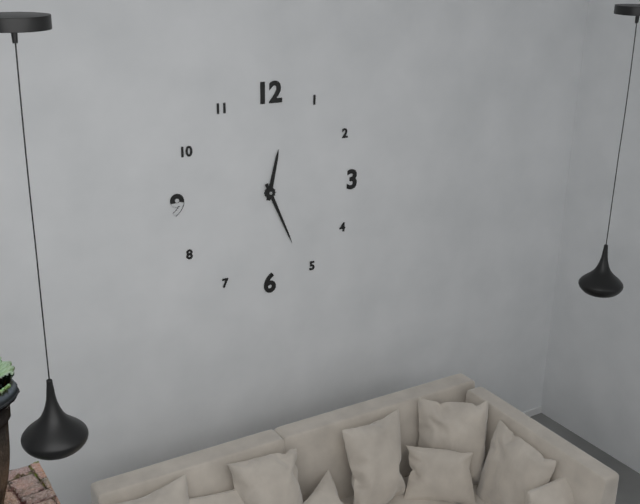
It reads 12.26
